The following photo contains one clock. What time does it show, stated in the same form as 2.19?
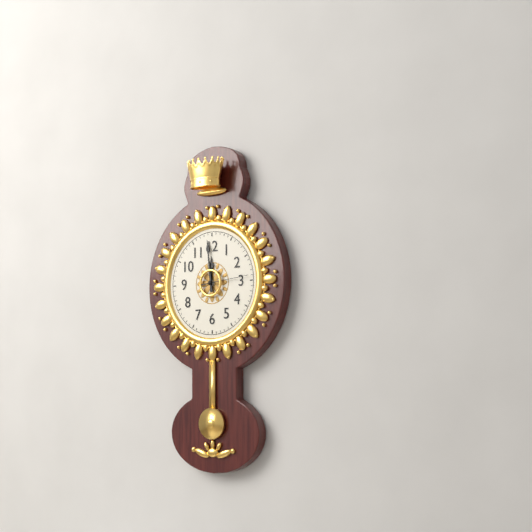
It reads 11.59
